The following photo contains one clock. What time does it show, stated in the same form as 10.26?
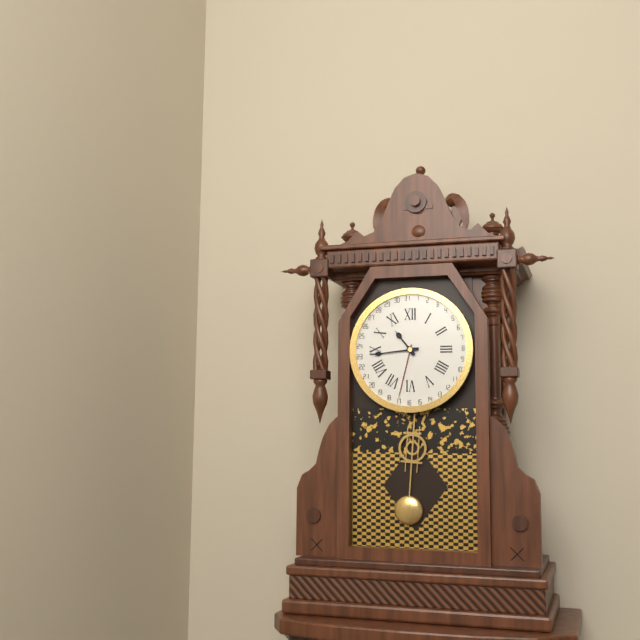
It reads 10.44
